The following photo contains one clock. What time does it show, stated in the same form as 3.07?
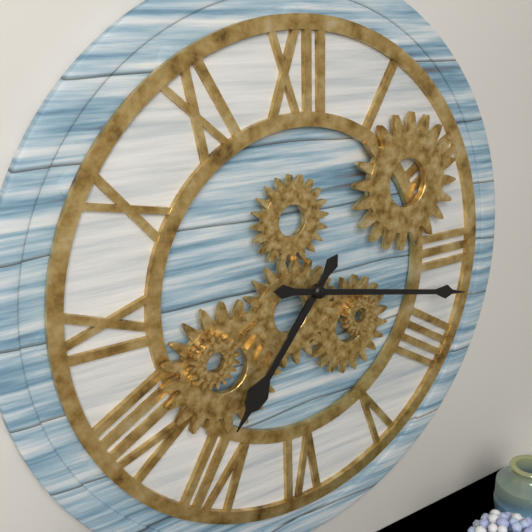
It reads 7.17
